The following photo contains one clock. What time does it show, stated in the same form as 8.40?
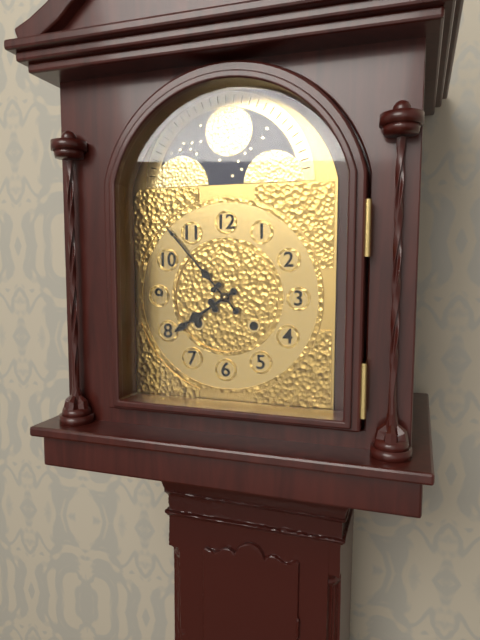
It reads 7.53
